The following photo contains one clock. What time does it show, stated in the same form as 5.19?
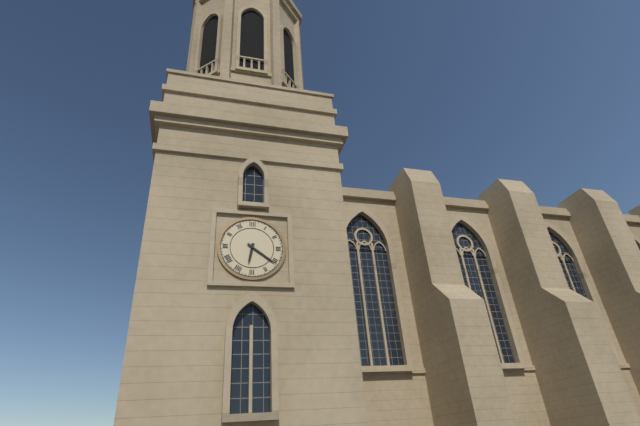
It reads 6.21
